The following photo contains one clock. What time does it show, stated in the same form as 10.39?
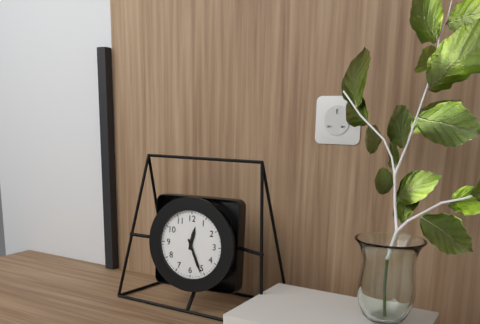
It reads 12.26
